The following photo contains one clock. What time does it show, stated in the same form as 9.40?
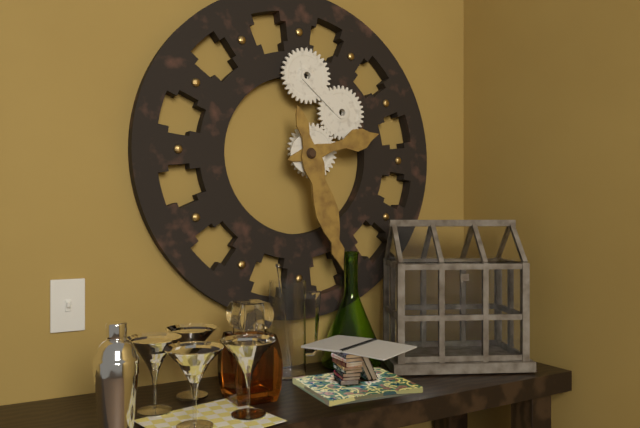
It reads 2.27
